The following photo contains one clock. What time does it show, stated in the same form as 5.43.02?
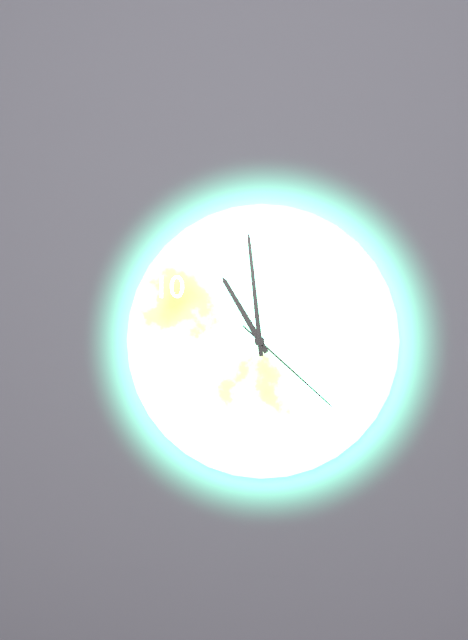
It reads 10.59.22
